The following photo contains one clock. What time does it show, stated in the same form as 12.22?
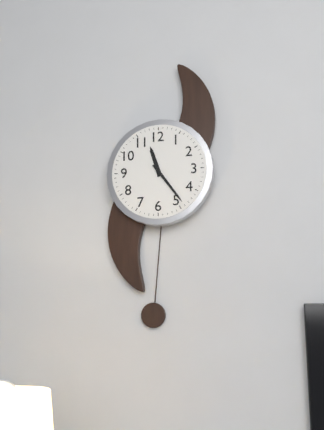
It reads 11.24
